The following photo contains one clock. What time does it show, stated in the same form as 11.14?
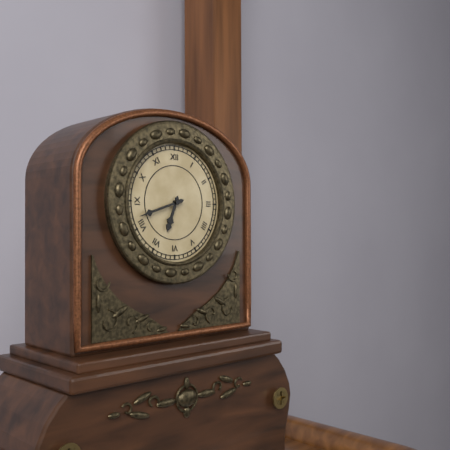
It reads 6.42
